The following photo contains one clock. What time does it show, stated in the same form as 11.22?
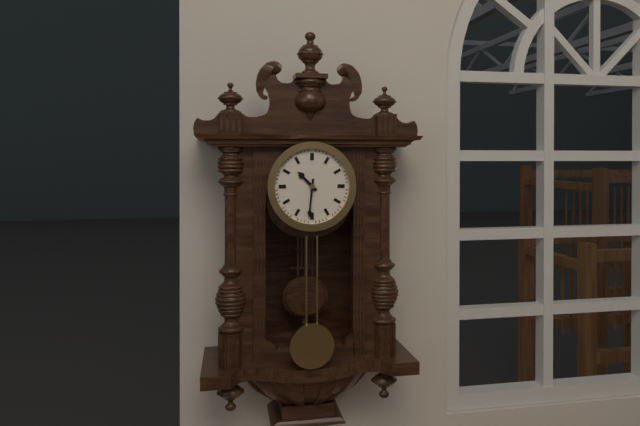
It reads 10.31
